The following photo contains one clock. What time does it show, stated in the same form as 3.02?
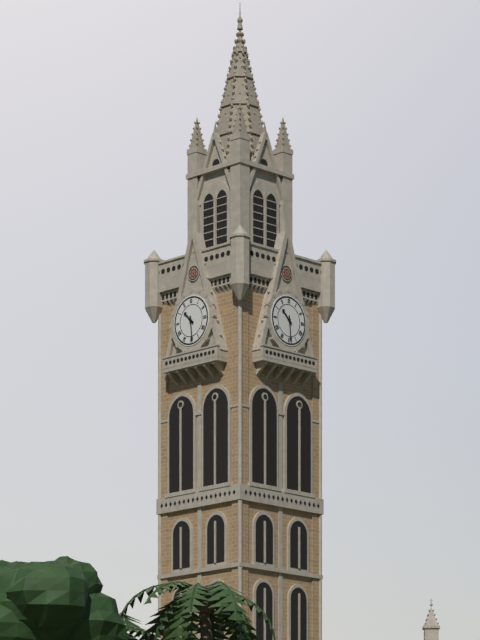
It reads 10.29
